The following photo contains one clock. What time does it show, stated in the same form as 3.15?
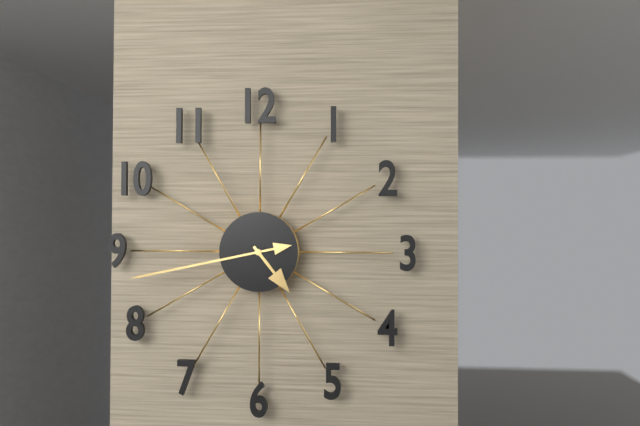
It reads 4.43
